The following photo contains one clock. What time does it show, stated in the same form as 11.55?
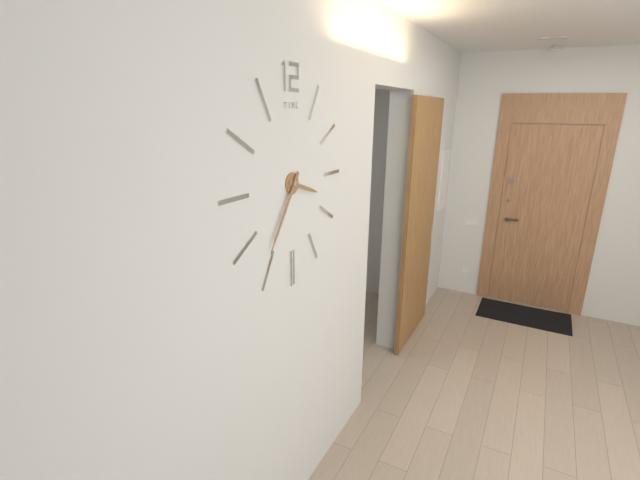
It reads 3.36
